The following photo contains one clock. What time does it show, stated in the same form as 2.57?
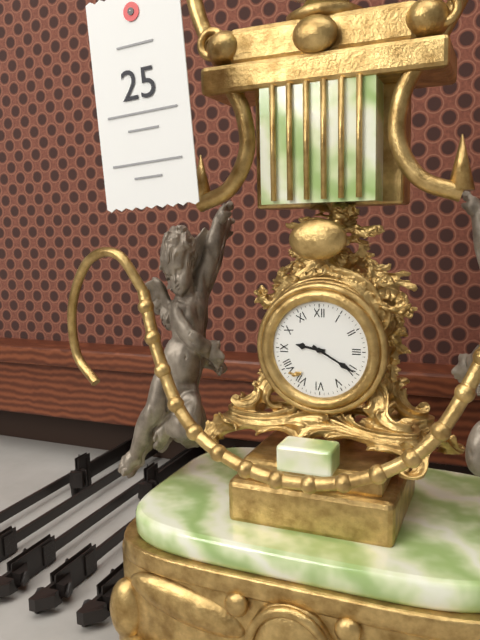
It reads 9.20
